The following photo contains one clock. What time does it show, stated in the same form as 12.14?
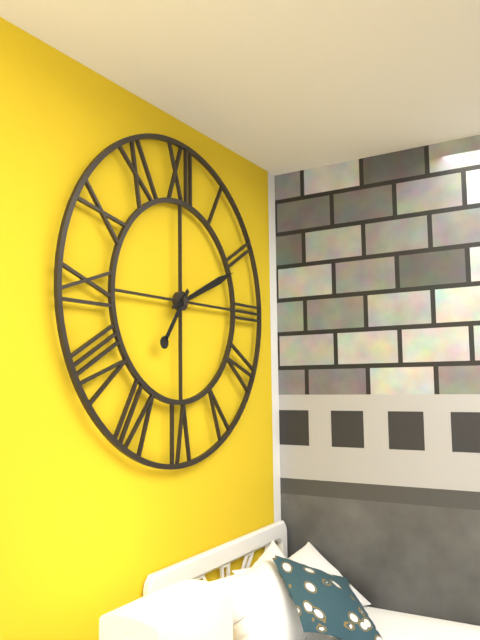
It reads 7.11
